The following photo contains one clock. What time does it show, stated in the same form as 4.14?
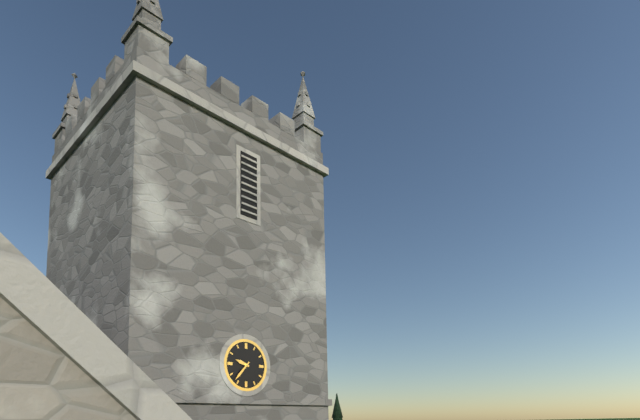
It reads 9.37
